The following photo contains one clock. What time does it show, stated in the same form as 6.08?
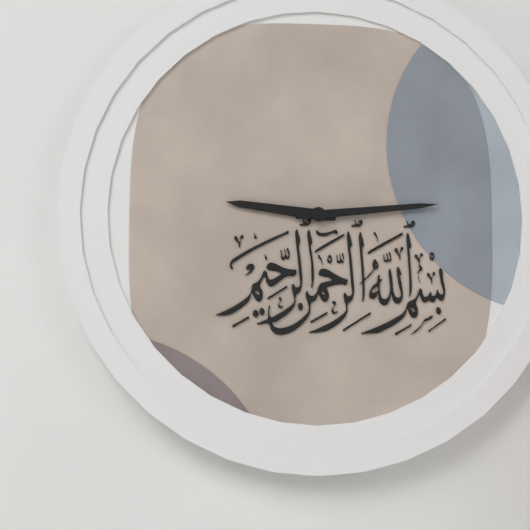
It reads 9.14
